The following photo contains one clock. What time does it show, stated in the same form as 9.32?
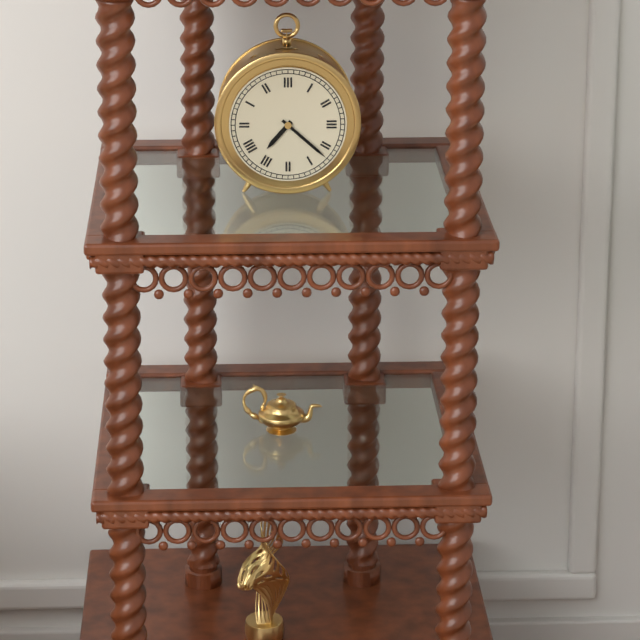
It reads 7.22
